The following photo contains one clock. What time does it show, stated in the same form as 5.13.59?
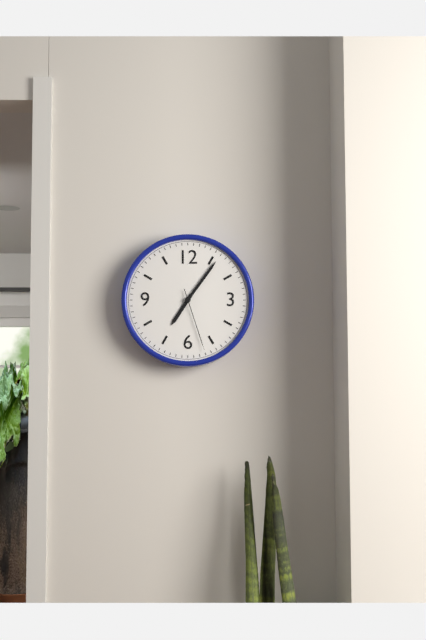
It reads 7.06.27
